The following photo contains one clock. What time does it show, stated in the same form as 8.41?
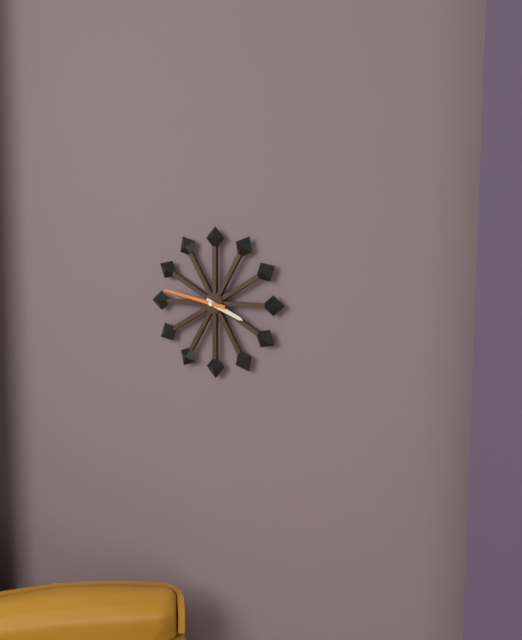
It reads 3.47
